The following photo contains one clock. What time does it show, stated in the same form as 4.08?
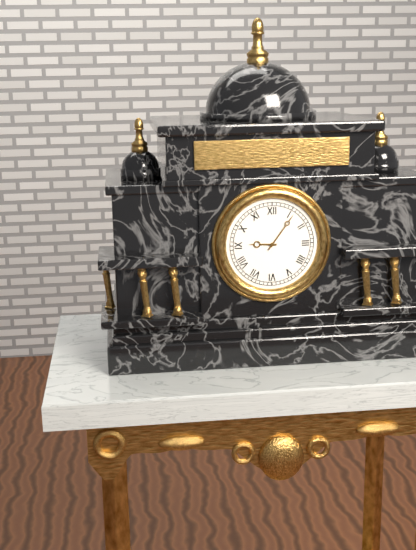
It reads 9.06
